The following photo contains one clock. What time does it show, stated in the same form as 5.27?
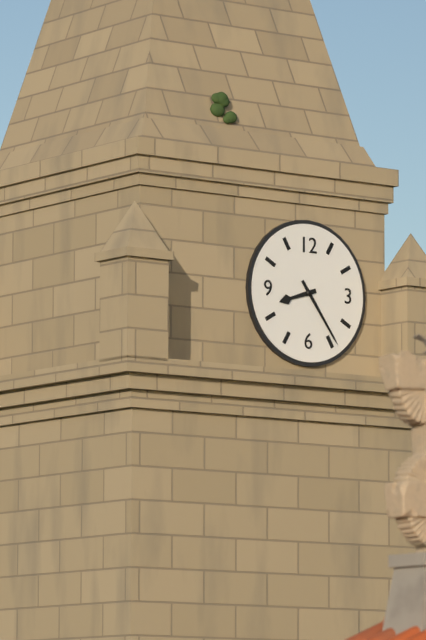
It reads 8.24
